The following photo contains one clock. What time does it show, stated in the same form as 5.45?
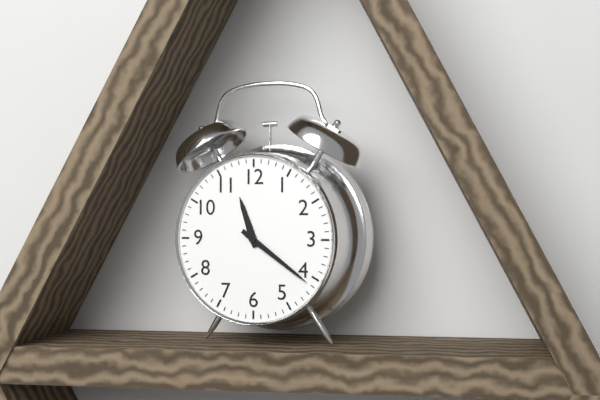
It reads 11.21
